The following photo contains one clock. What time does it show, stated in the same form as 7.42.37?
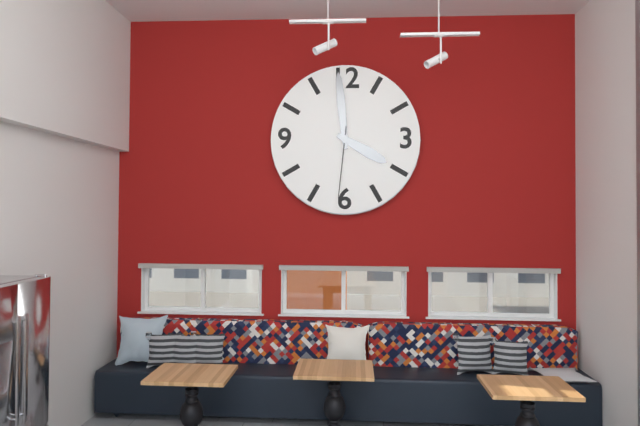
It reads 3.59.31
